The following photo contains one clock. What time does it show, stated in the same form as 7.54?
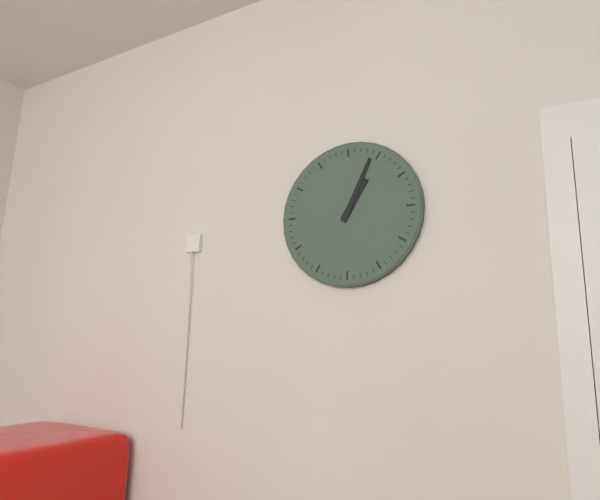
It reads 1.04
